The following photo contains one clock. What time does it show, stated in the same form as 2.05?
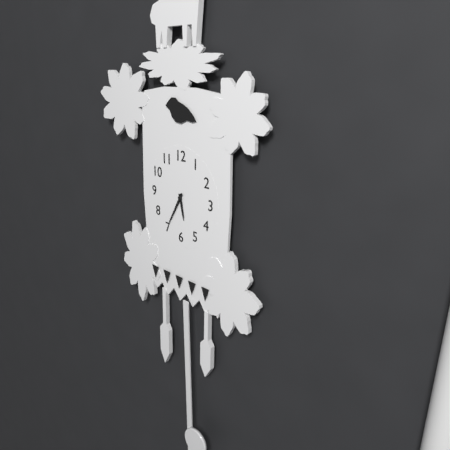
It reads 5.35
